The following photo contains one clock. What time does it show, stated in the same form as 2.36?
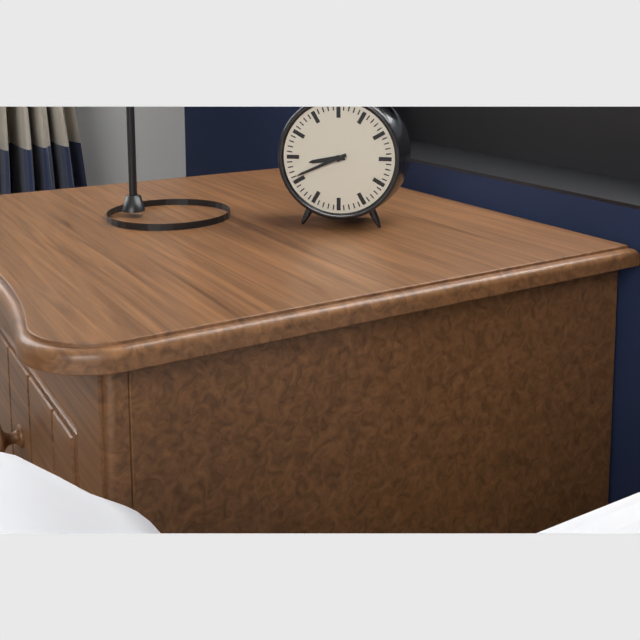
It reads 8.41
